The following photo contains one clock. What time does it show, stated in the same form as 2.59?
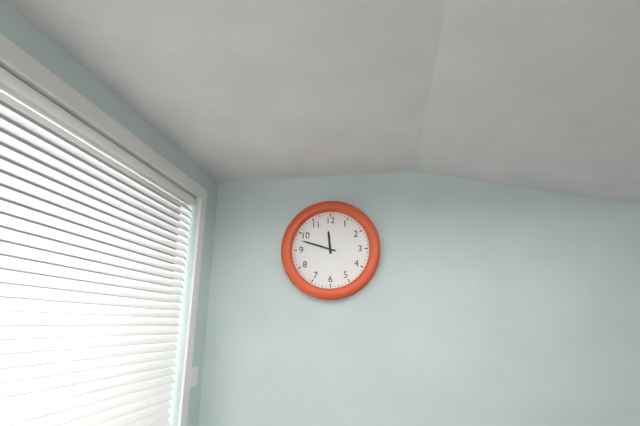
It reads 11.48
